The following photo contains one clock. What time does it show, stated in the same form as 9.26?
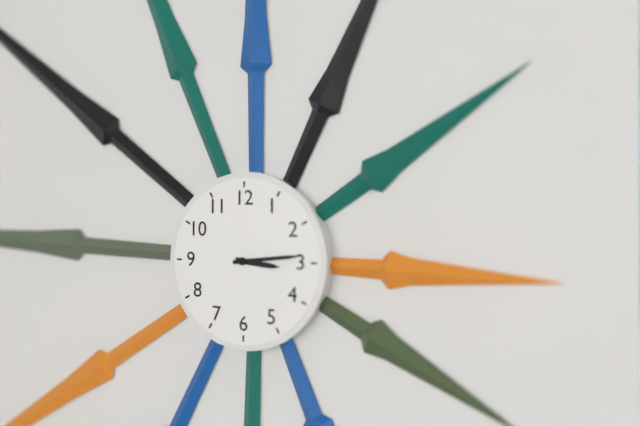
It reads 3.14
